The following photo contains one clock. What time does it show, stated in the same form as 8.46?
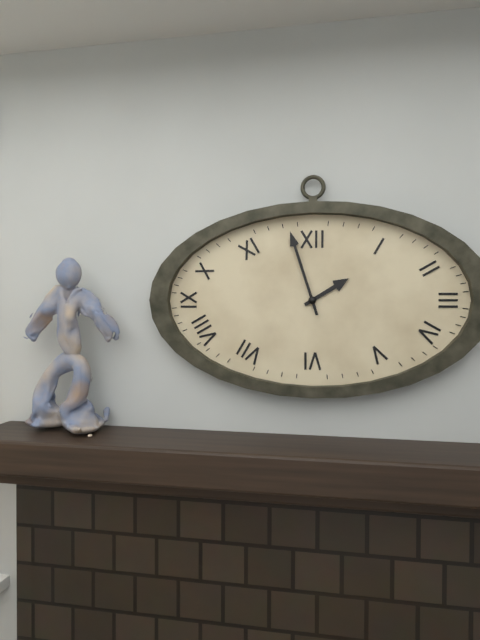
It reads 1.57
